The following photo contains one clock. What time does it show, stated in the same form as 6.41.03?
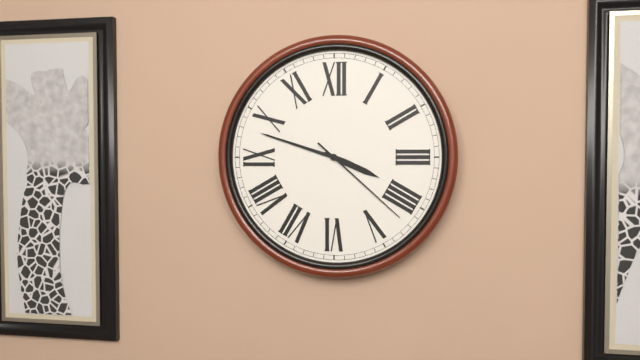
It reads 3.48.22
